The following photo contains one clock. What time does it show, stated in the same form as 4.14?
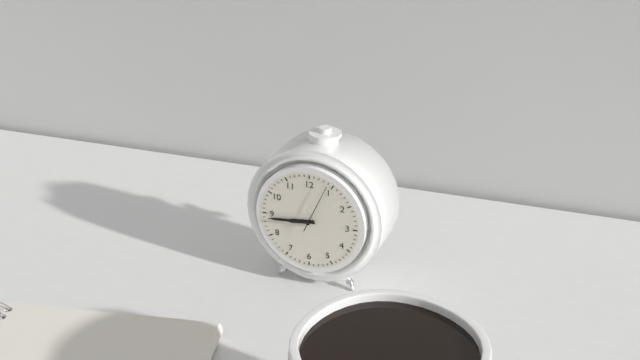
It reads 8.44
